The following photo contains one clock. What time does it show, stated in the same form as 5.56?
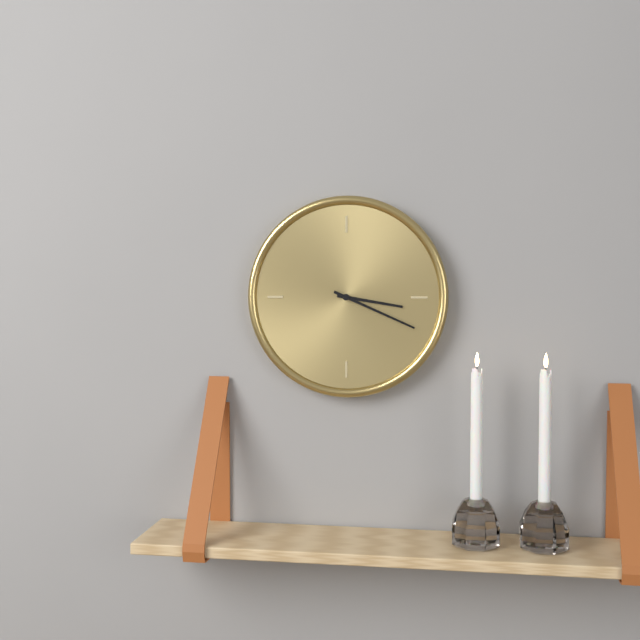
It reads 3.19
